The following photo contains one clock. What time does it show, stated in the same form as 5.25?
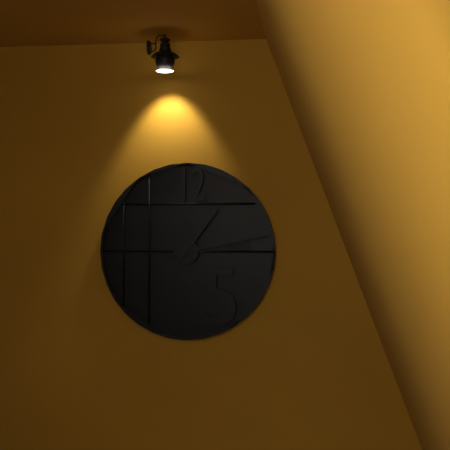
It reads 1.13
